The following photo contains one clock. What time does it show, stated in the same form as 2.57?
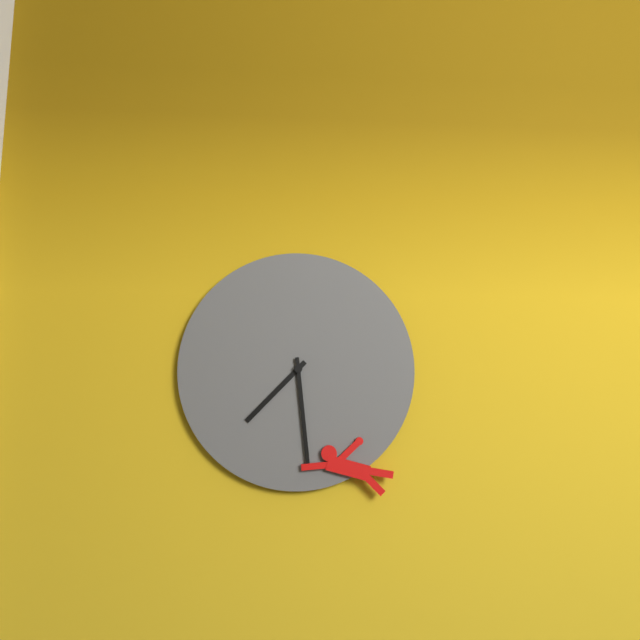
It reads 7.29
